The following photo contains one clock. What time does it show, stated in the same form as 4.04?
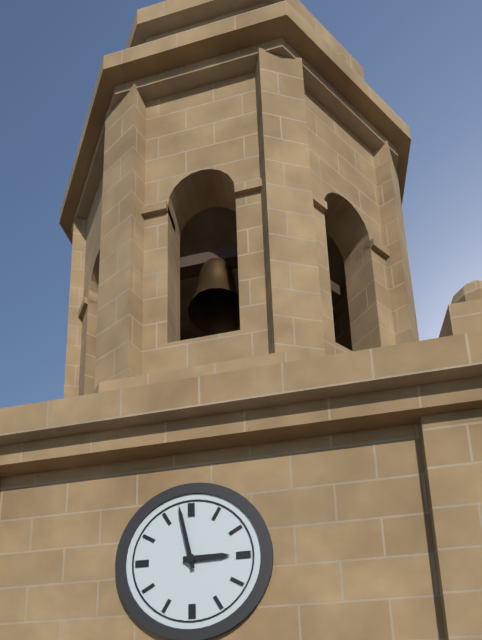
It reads 2.58
